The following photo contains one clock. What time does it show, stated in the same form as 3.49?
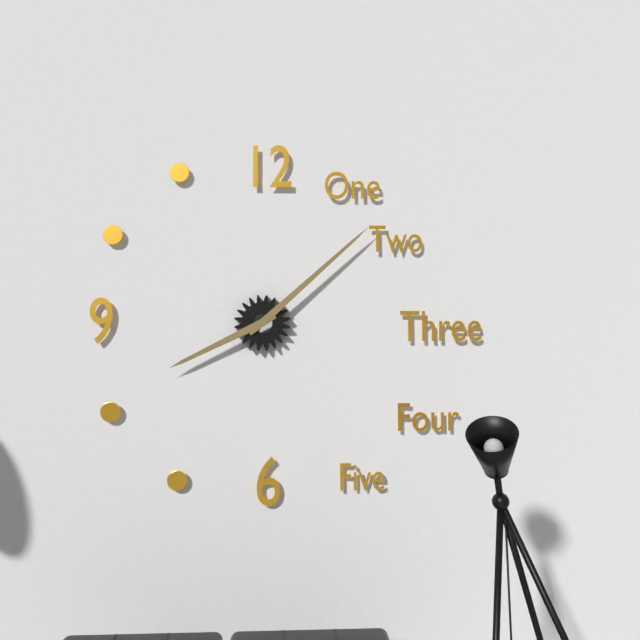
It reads 8.08
